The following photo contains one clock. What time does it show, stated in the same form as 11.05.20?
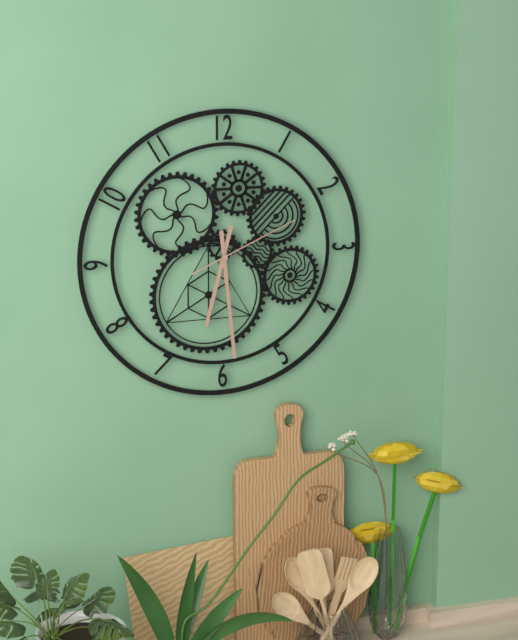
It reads 6.29.11
